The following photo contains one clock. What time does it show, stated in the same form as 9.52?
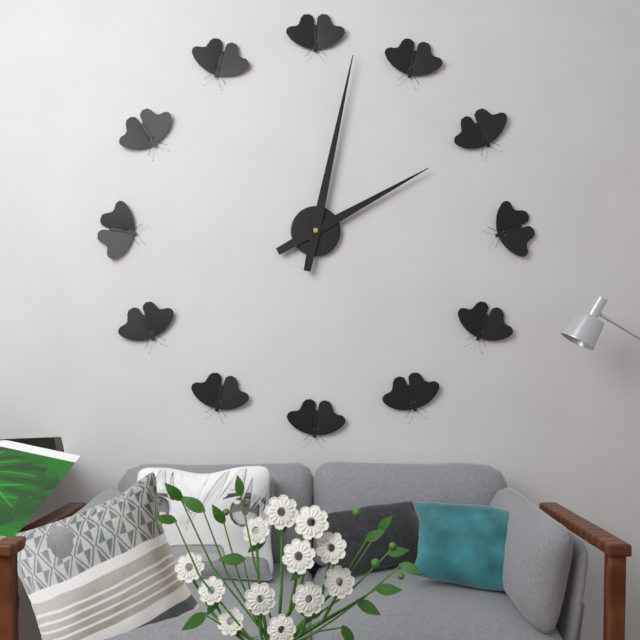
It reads 2.02
